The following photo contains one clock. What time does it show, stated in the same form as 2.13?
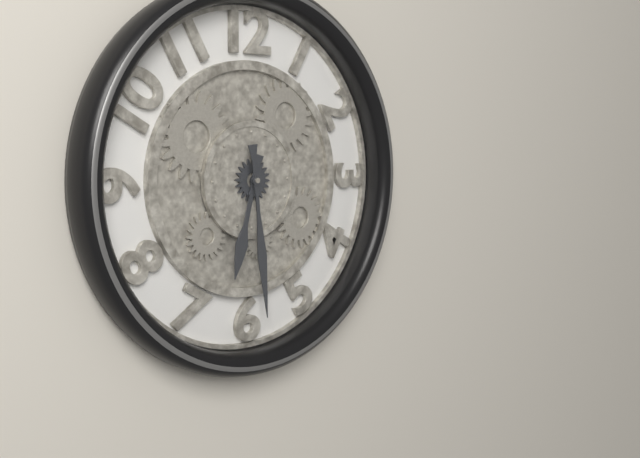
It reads 6.29
